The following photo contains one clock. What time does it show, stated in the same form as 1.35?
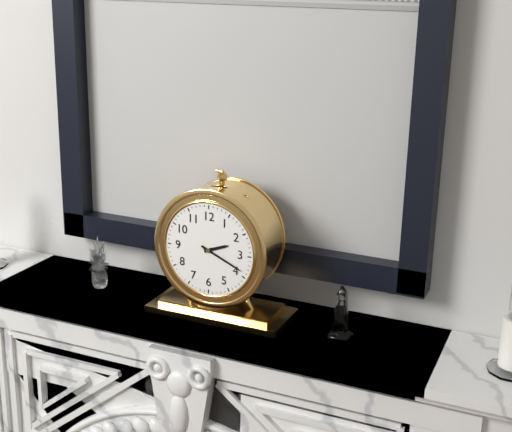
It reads 2.19
